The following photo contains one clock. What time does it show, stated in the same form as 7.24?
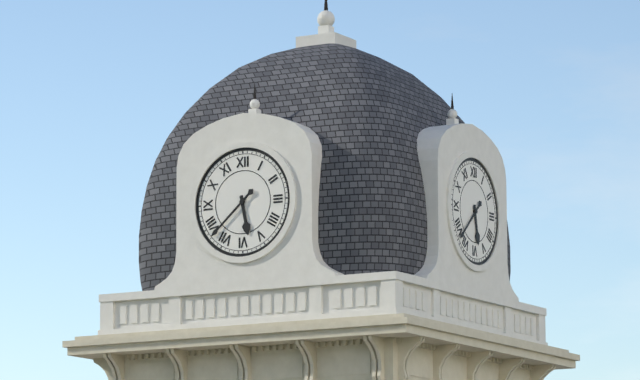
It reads 5.38
